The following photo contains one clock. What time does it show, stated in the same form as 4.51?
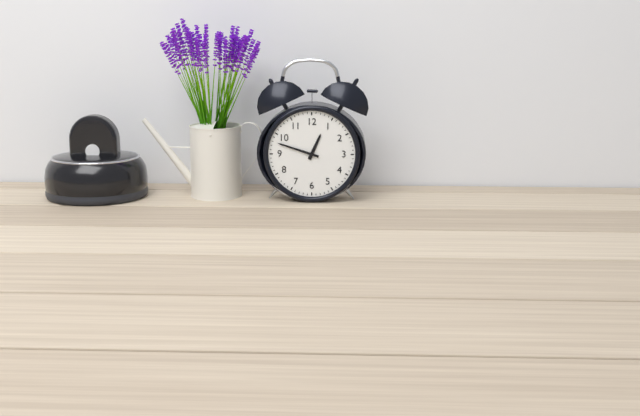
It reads 12.48
